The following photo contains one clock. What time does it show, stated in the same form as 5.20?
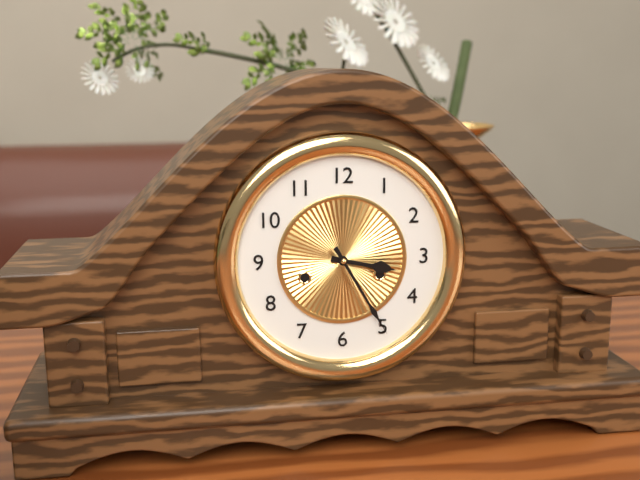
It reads 3.25
